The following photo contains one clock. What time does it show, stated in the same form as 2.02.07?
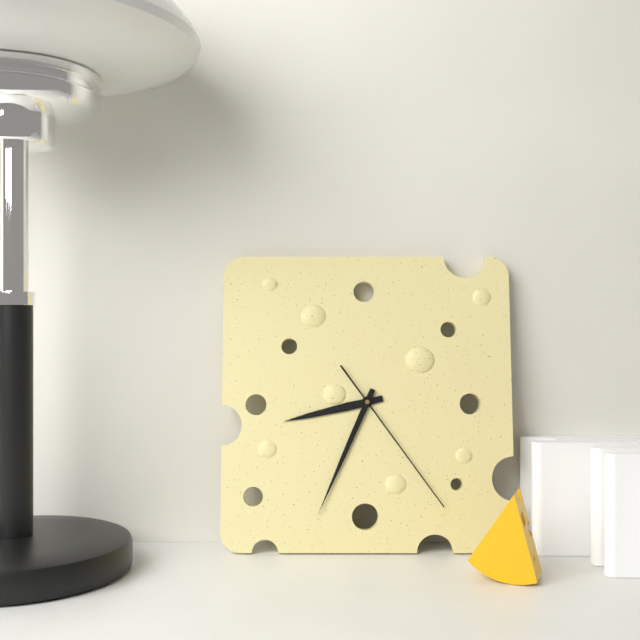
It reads 8.34.24
